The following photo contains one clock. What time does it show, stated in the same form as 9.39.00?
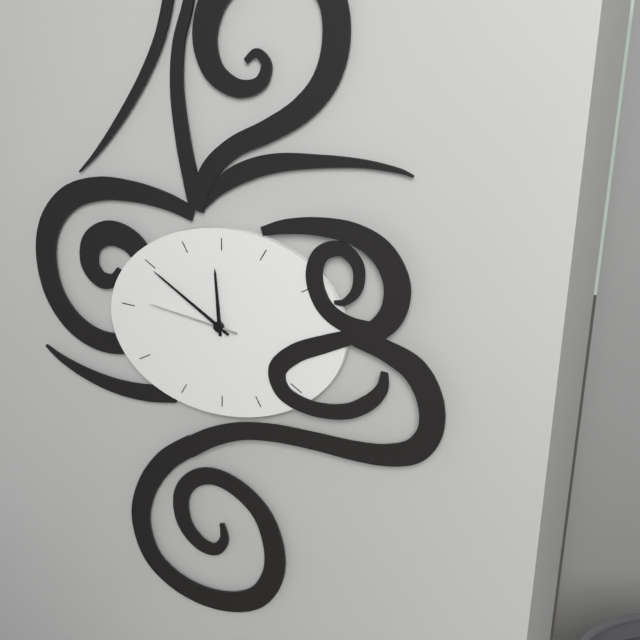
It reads 11.50.46
